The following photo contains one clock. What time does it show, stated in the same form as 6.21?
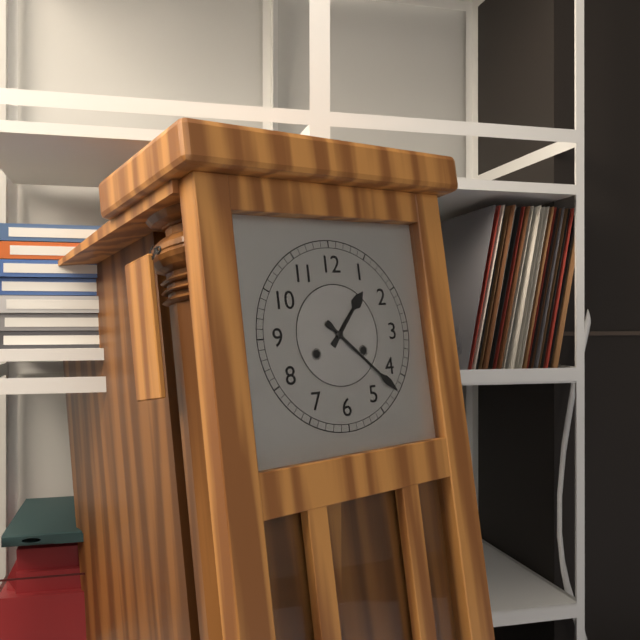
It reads 1.22
